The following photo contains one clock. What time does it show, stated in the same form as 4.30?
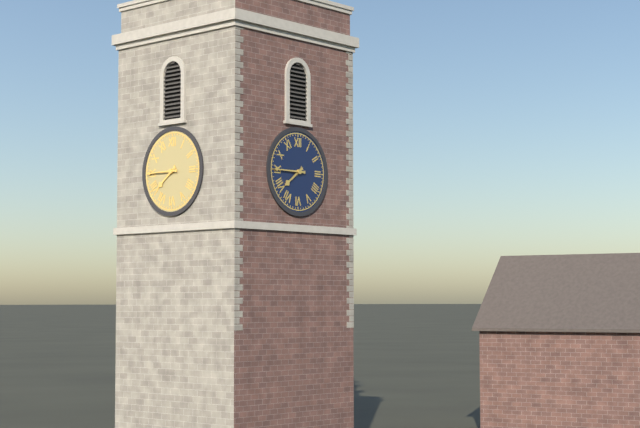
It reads 7.45
